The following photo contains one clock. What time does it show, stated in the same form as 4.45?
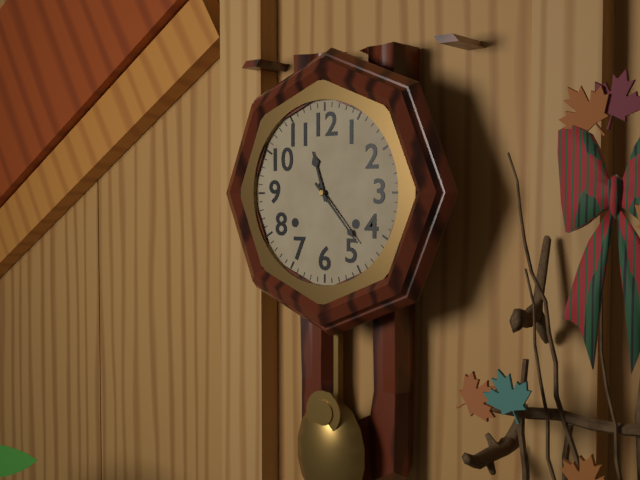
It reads 11.23
